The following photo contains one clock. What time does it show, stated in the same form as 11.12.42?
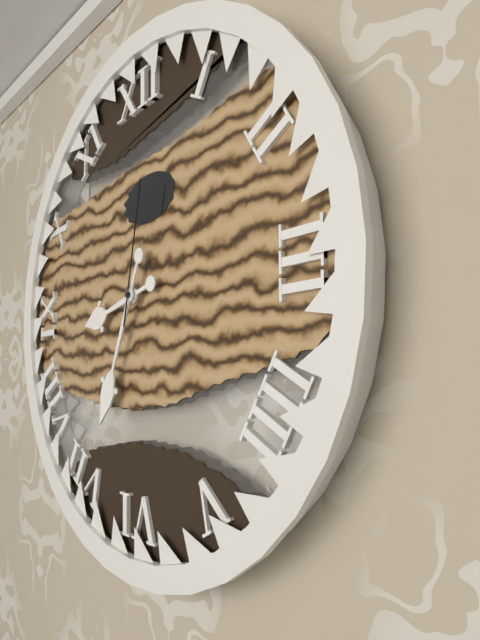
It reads 8.34.02
